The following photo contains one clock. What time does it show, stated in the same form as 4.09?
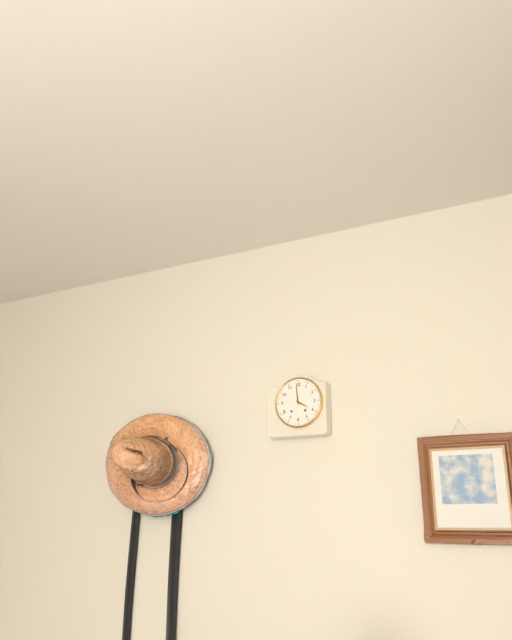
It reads 3.59
